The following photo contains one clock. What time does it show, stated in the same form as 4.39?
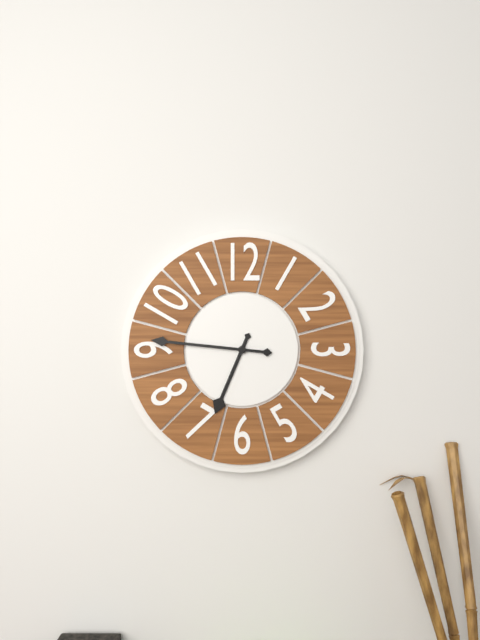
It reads 6.46
